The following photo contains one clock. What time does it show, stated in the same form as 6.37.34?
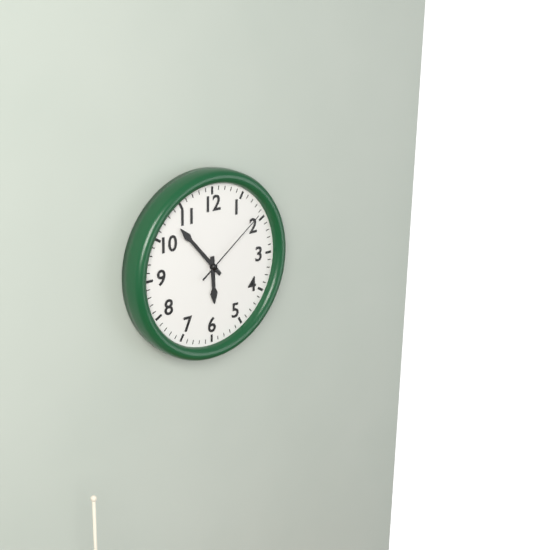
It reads 5.53.09
